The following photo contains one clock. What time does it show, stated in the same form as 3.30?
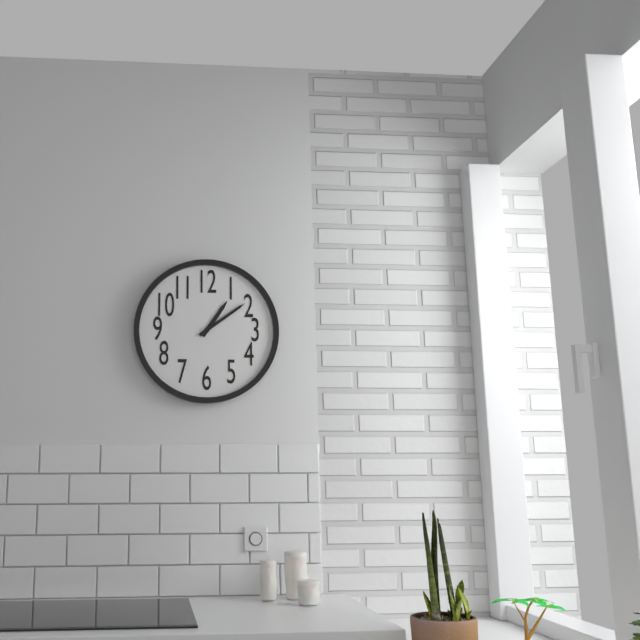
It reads 1.09
